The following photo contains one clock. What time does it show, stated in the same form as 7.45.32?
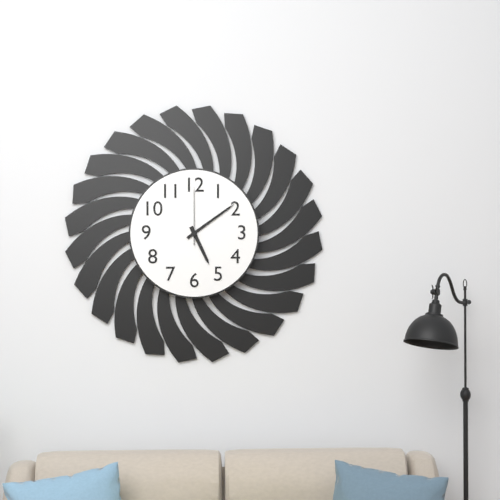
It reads 5.09.00
